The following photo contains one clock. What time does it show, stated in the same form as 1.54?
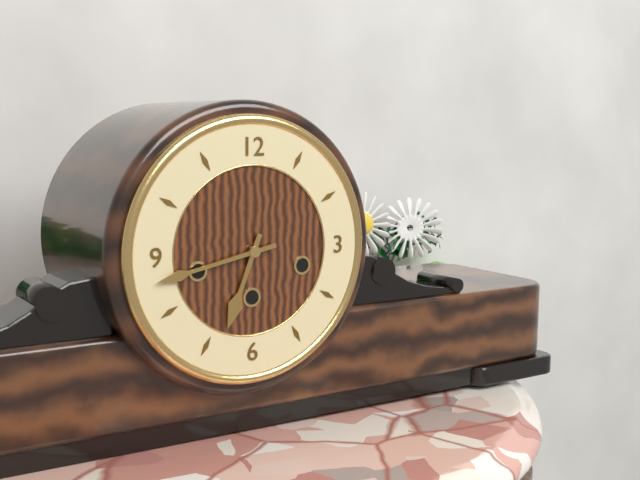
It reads 6.43
